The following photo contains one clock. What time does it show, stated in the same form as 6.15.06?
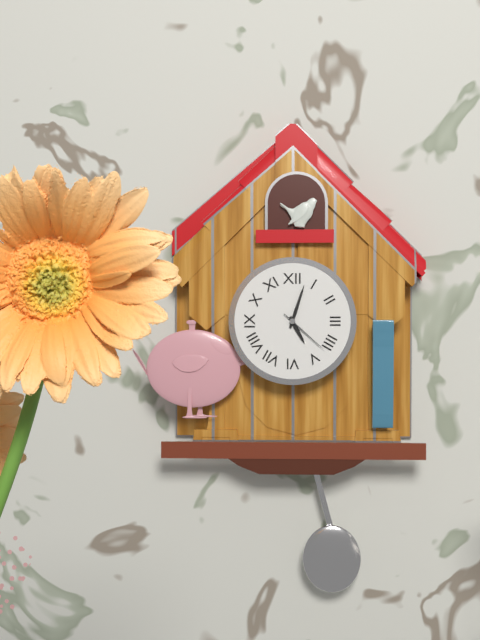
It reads 5.03.22
